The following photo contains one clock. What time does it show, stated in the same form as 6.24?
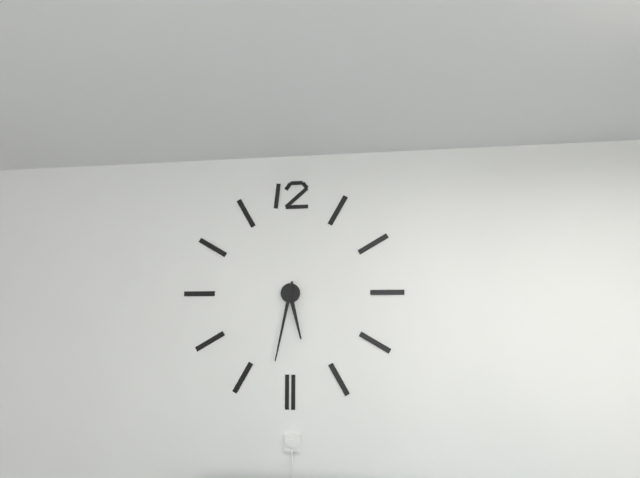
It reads 5.32
